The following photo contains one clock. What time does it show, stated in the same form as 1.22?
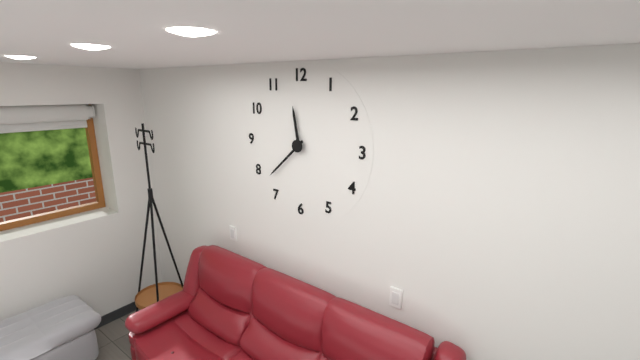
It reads 11.38
